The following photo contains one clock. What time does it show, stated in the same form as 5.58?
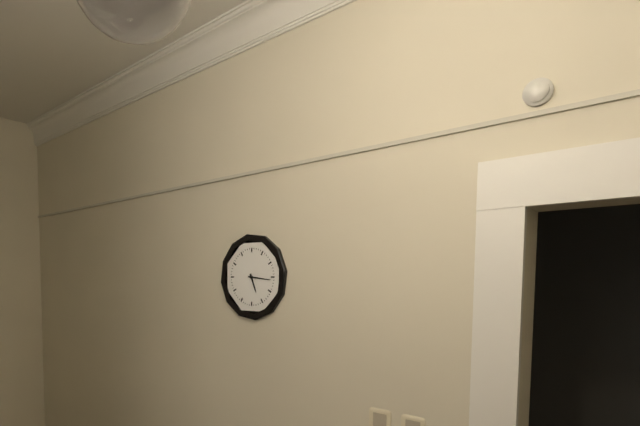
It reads 5.16
